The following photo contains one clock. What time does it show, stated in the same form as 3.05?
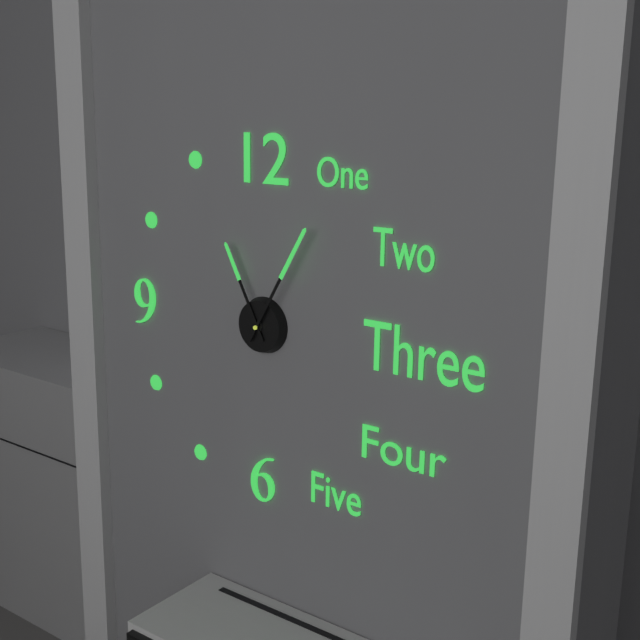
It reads 11.05
